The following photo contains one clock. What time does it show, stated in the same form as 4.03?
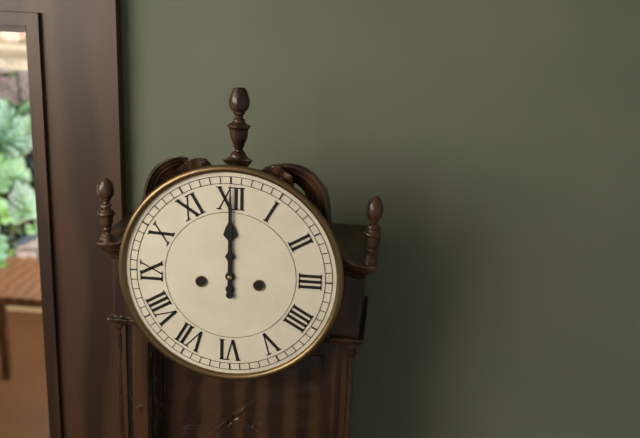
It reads 12.00
